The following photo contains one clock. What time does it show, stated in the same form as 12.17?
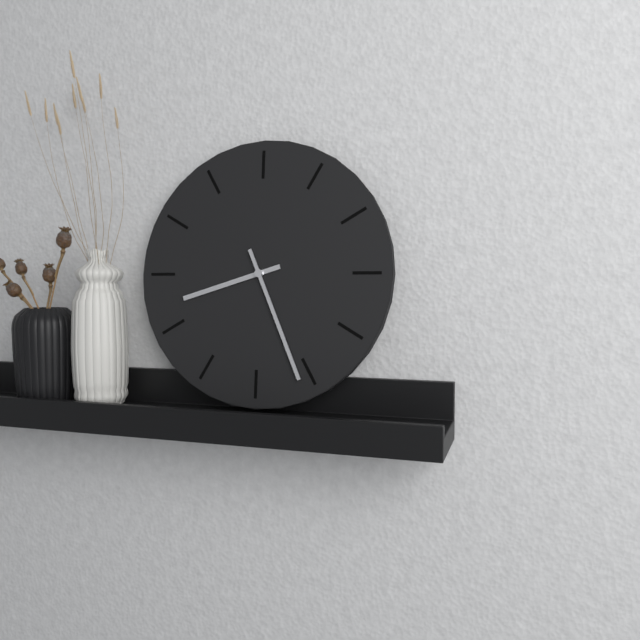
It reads 8.26
